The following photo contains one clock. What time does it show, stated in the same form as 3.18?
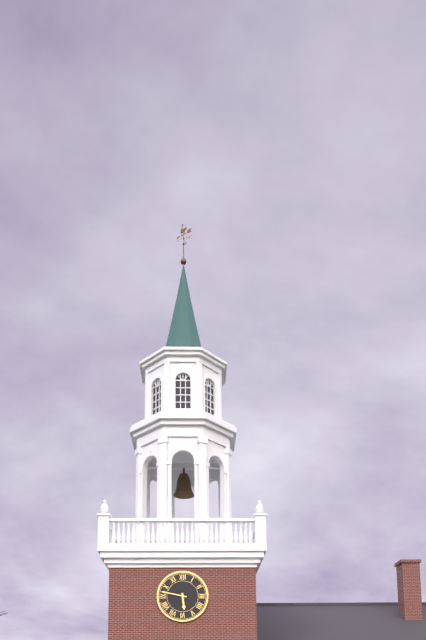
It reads 5.47
